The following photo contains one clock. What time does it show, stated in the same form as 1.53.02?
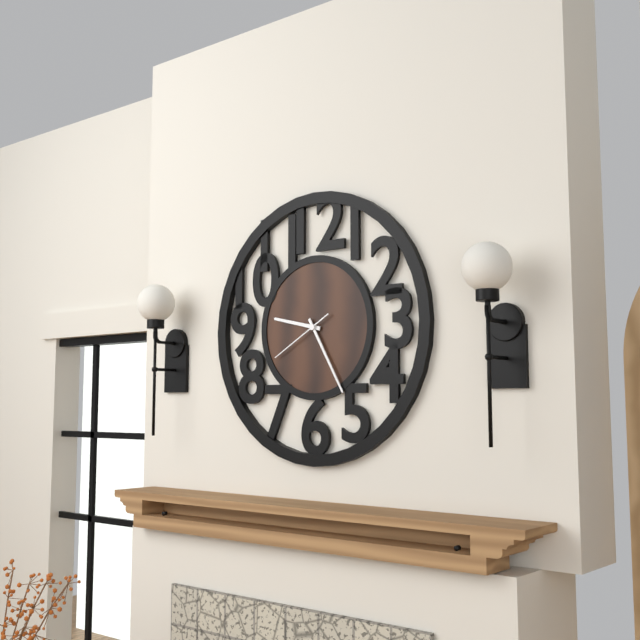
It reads 9.25.40
